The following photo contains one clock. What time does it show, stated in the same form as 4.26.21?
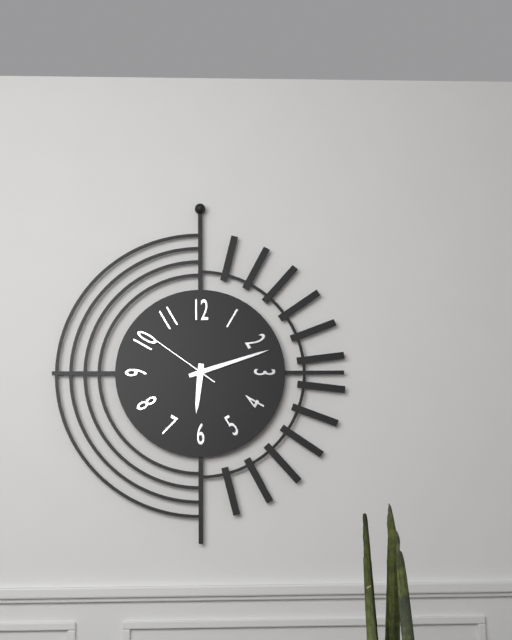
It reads 6.12.51
